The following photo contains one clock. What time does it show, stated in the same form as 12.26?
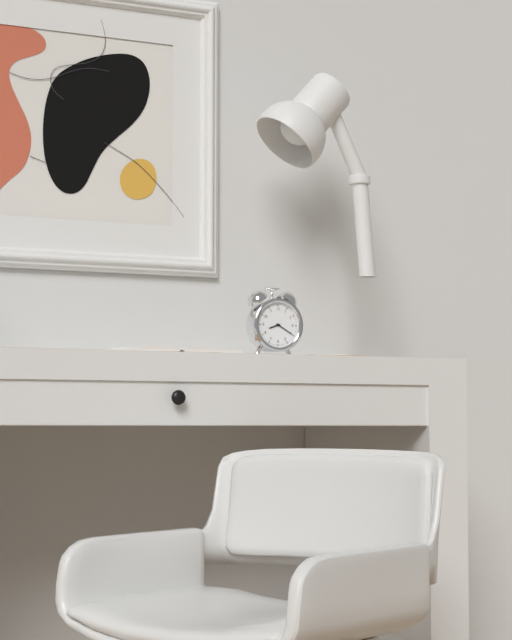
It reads 8.20
